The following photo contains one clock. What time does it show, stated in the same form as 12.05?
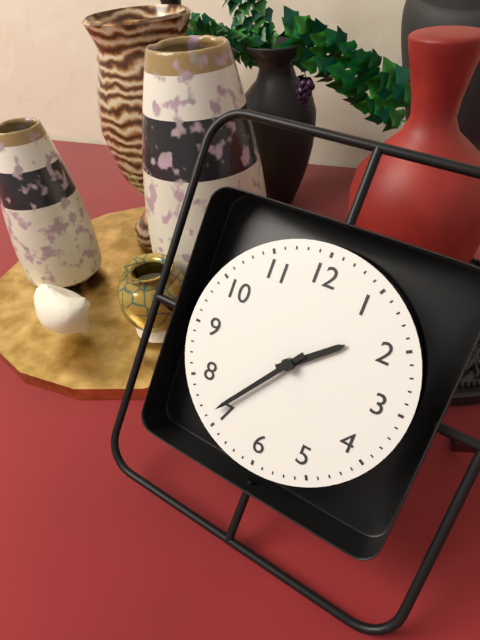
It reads 1.36
